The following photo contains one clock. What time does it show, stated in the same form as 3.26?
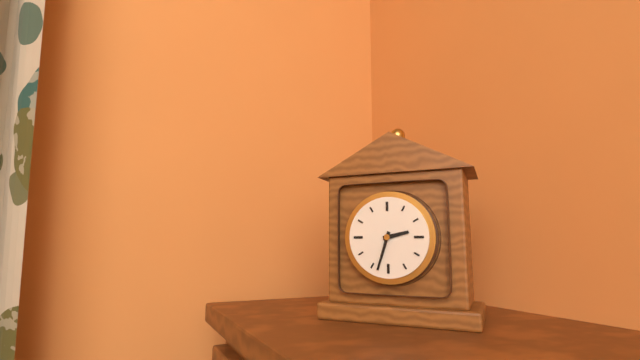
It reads 2.33
